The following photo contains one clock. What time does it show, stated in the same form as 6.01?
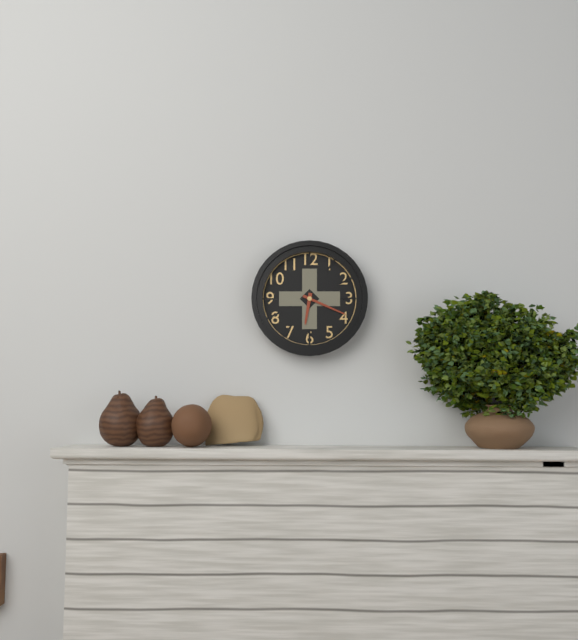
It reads 6.19
